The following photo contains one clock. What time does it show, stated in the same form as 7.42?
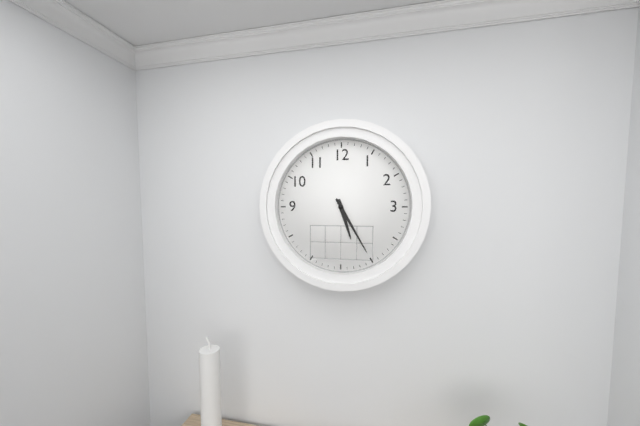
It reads 5.25
